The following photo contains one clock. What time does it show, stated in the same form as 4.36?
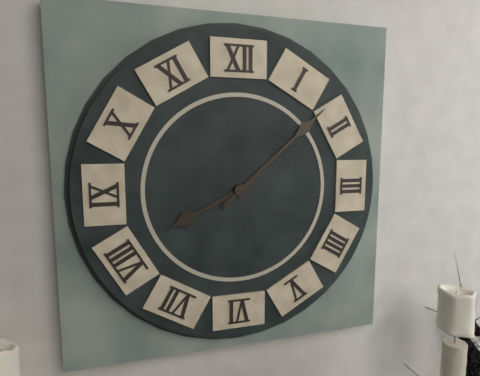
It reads 8.08
